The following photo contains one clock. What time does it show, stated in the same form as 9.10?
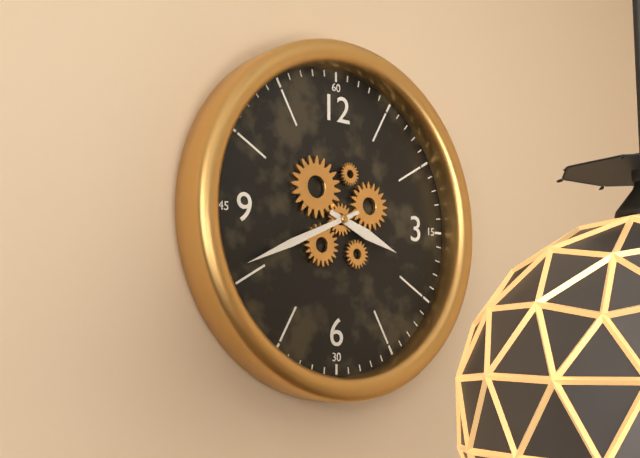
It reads 3.41
